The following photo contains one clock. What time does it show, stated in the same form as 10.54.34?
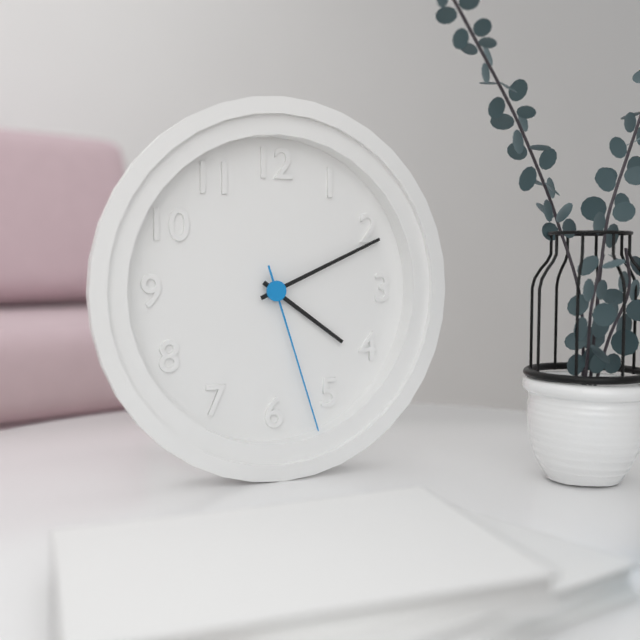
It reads 4.11.27
